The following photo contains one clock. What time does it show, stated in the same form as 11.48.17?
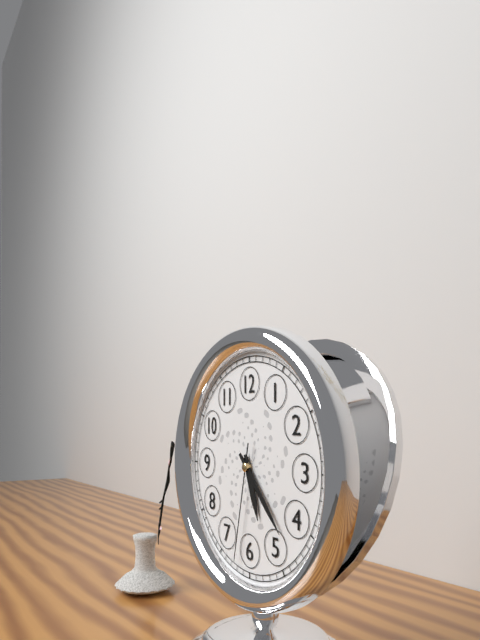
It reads 5.23.32
